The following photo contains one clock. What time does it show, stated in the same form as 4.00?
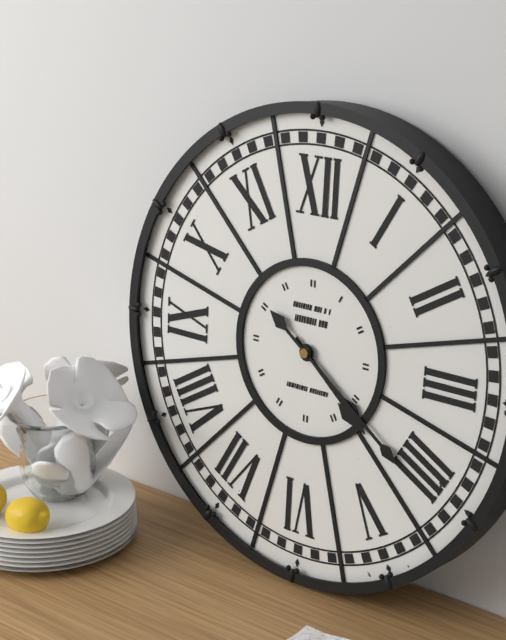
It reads 4.21
